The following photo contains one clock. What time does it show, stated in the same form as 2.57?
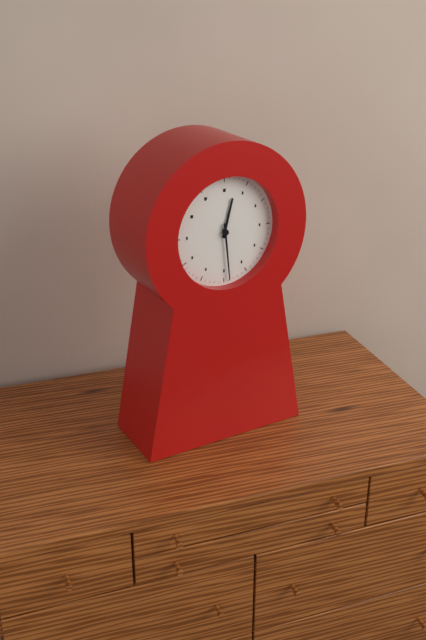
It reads 12.29
